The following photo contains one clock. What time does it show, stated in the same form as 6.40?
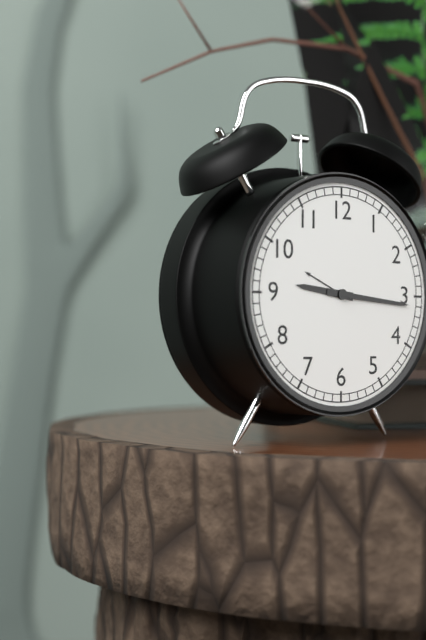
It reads 9.16
